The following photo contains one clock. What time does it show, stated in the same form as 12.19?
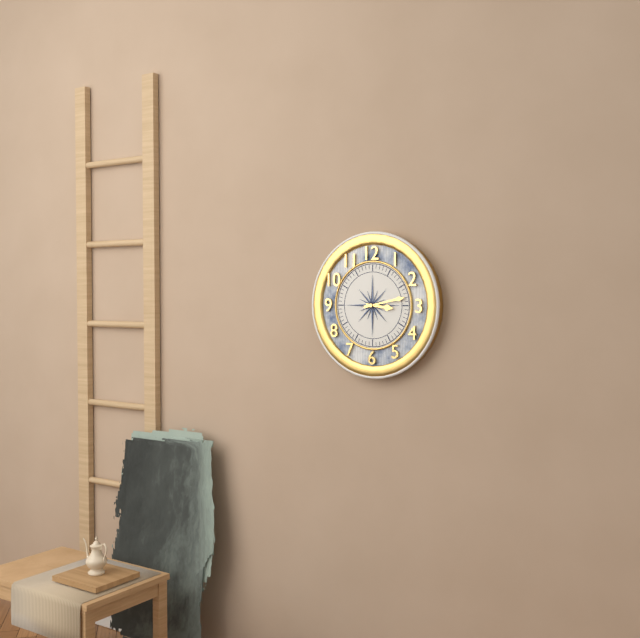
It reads 3.13
